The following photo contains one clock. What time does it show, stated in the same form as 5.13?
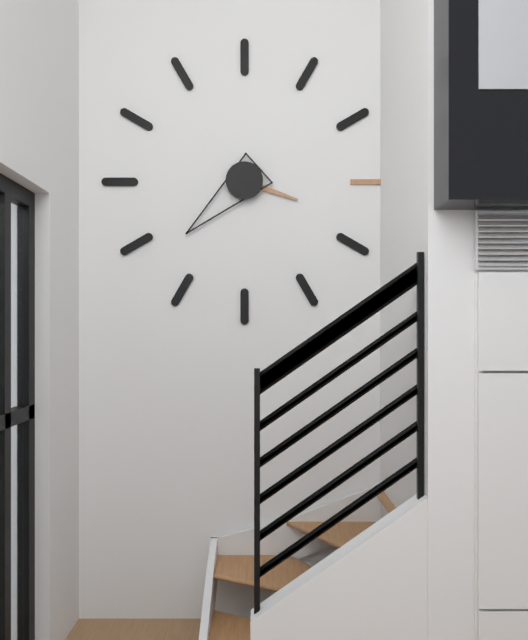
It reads 3.38
